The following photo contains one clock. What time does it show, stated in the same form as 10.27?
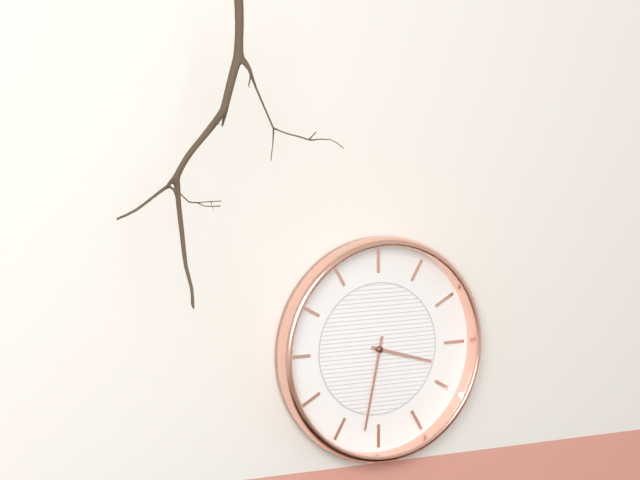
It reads 3.32
